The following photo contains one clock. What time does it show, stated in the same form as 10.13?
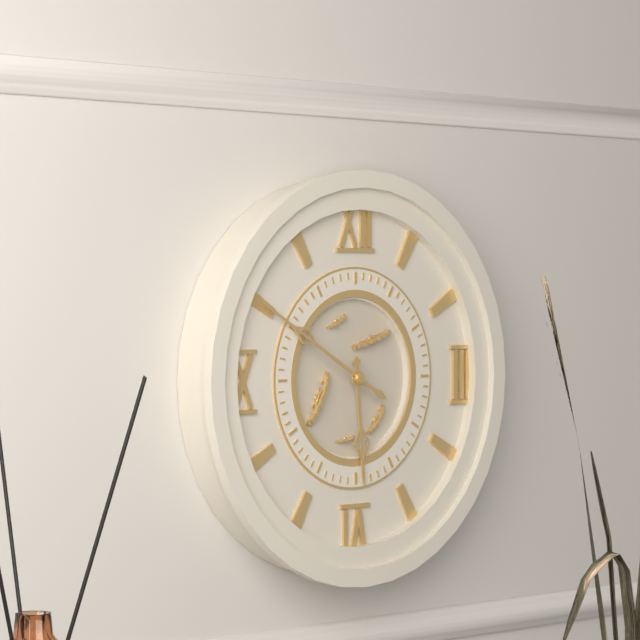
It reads 5.50
